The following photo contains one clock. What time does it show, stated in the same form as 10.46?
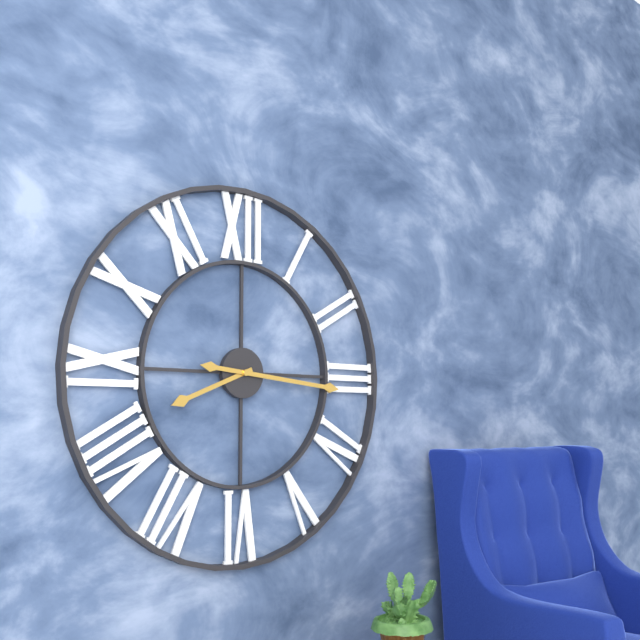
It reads 8.16
